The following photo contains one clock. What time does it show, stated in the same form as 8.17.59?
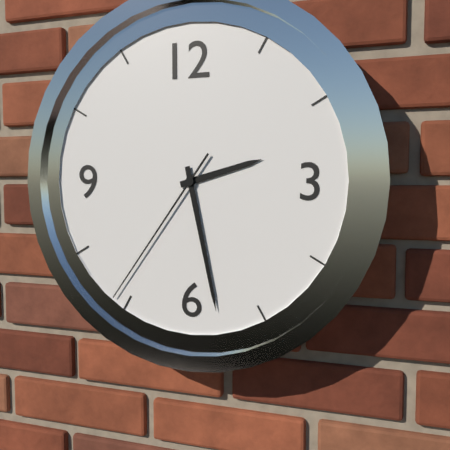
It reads 2.28.36
